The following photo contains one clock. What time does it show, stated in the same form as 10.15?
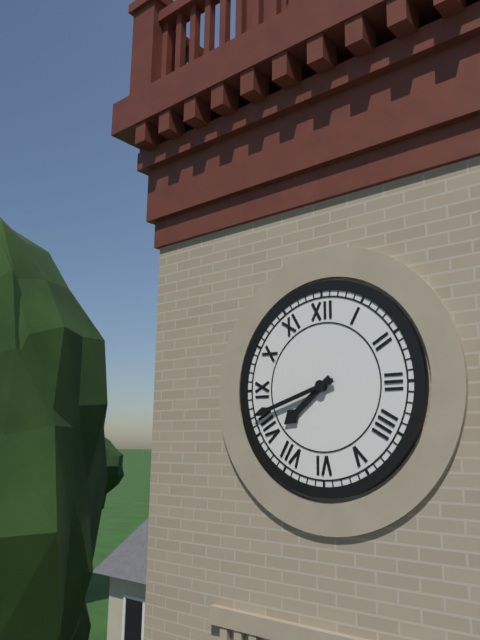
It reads 7.42
